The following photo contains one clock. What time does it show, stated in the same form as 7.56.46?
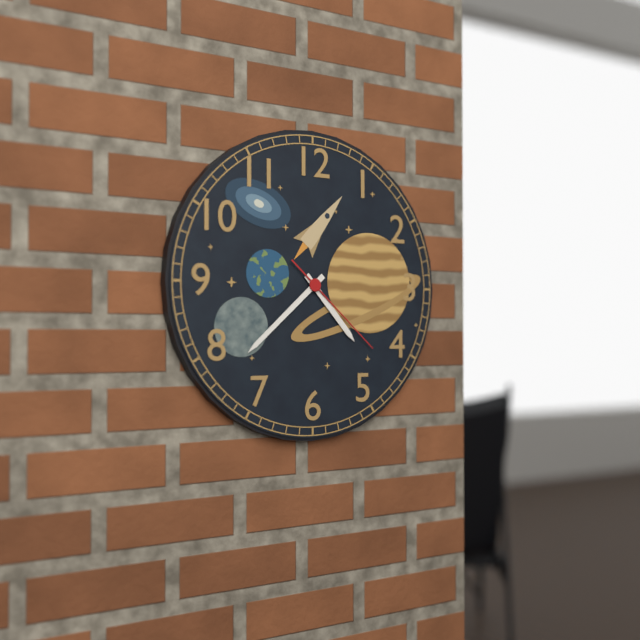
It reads 4.38.22
